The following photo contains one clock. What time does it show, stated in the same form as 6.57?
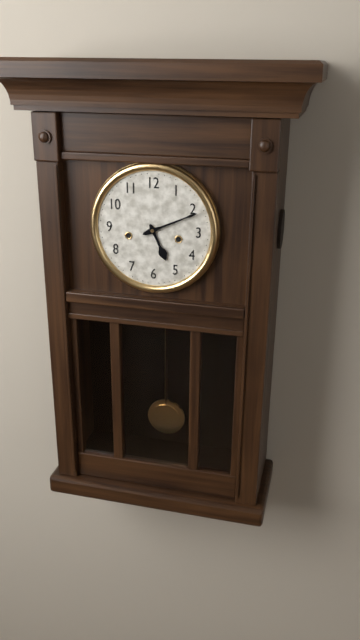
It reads 5.11
